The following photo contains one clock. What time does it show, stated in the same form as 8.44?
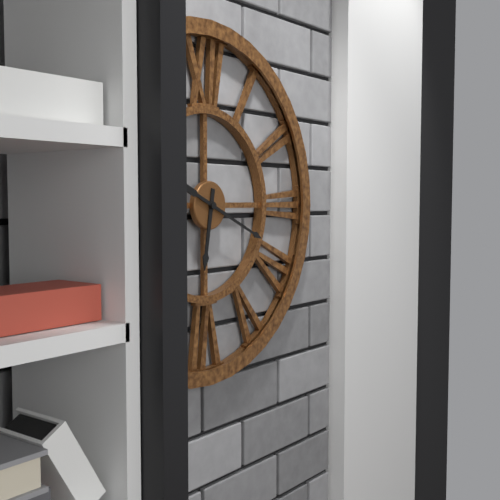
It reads 6.19
